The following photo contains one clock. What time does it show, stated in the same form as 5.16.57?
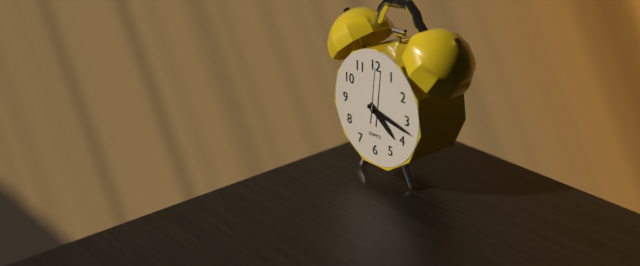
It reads 4.17.01
